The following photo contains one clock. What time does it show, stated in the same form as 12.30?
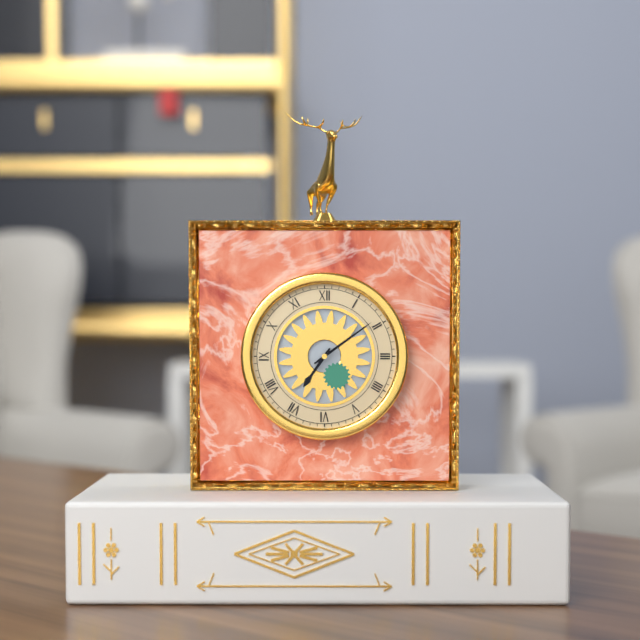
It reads 7.09
